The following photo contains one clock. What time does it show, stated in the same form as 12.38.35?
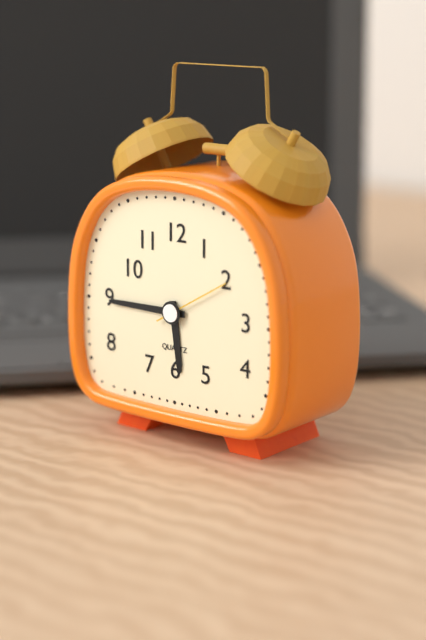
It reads 5.45.10
